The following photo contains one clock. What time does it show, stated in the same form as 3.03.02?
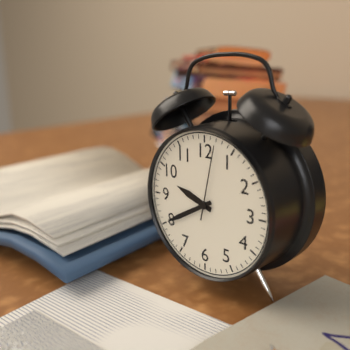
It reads 9.40.02
